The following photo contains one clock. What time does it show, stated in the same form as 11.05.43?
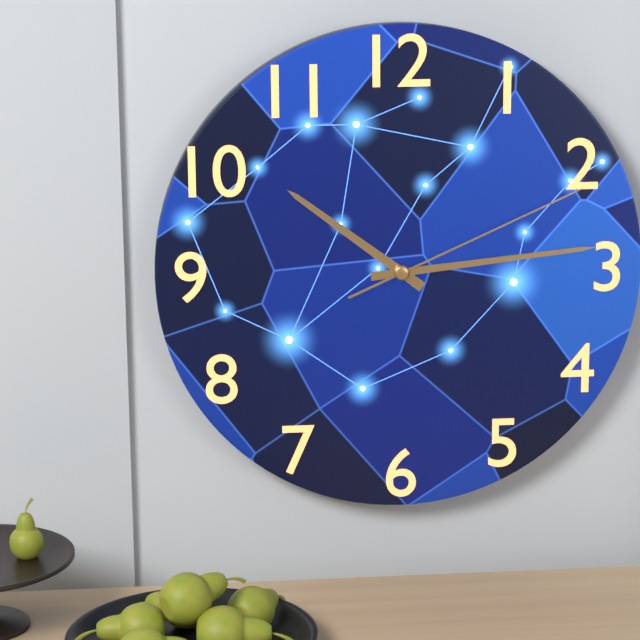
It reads 10.14.11
